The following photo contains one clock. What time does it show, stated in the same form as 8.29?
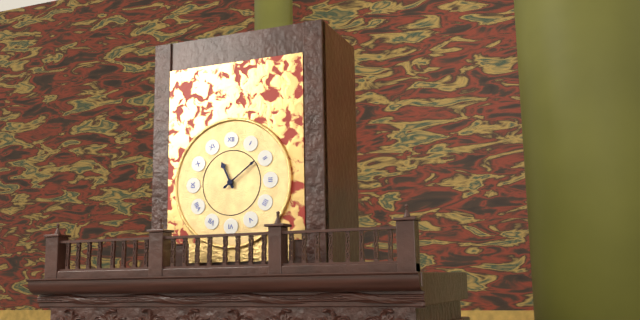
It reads 11.09
